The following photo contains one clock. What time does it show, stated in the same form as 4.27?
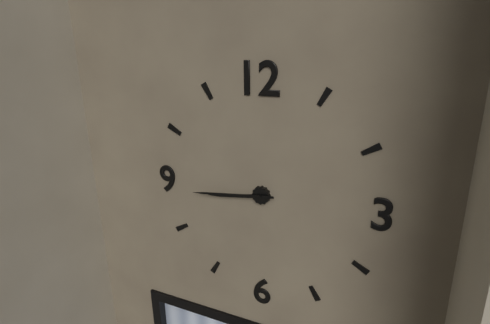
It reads 8.44
